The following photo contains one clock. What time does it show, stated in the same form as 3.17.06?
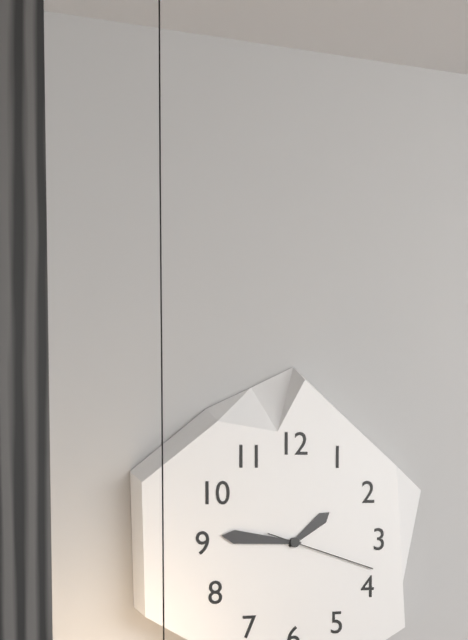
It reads 1.46.18
